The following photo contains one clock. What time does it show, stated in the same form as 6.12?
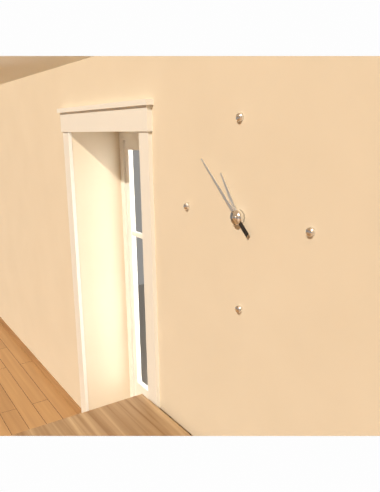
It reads 10.52
